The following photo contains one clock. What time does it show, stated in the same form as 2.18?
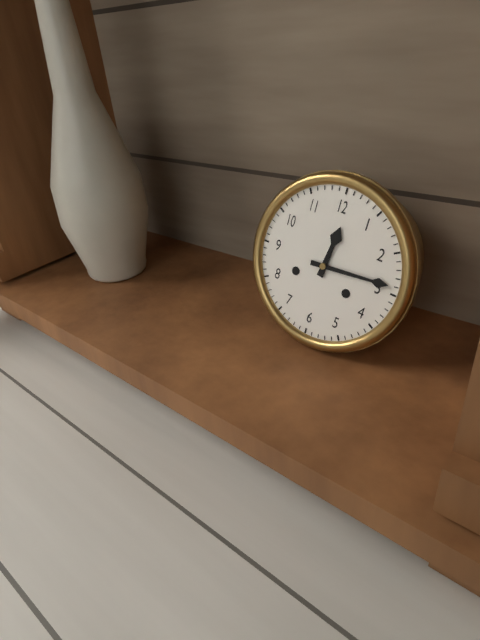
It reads 12.14
